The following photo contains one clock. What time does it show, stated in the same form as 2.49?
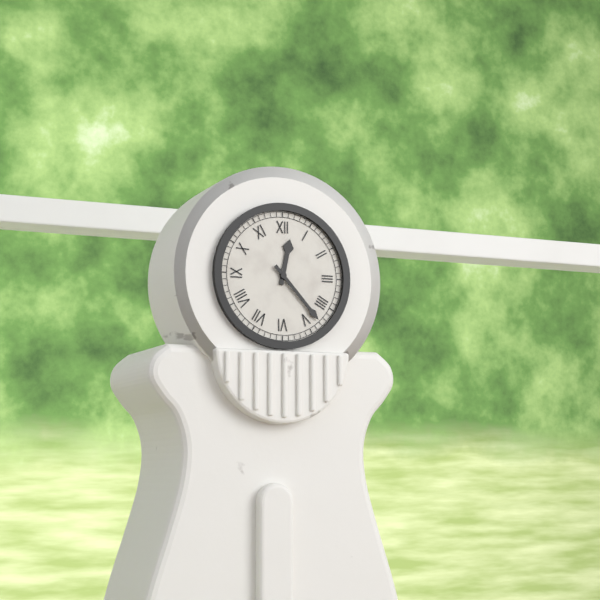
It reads 12.23
